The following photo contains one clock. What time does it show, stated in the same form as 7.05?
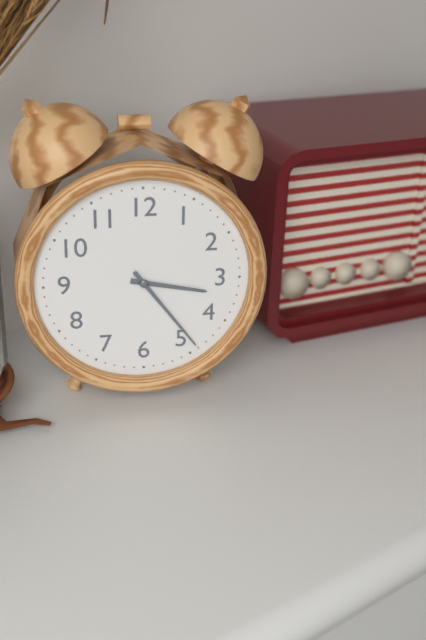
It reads 3.24
